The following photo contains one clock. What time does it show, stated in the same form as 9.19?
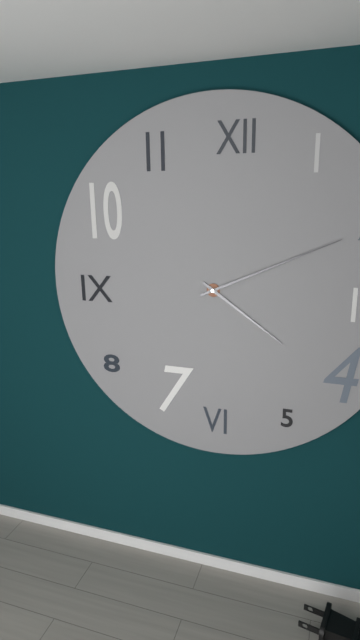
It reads 4.11
